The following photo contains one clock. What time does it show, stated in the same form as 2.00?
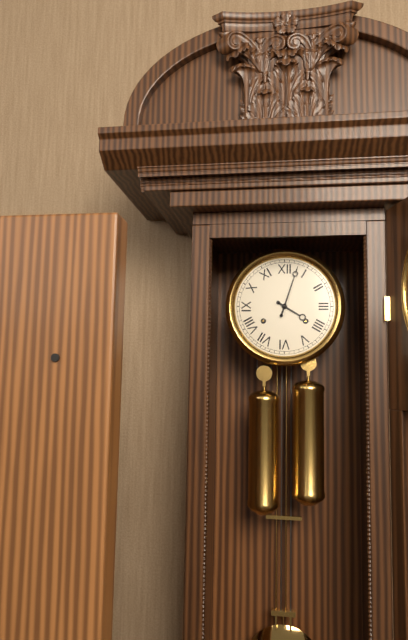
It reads 4.03
